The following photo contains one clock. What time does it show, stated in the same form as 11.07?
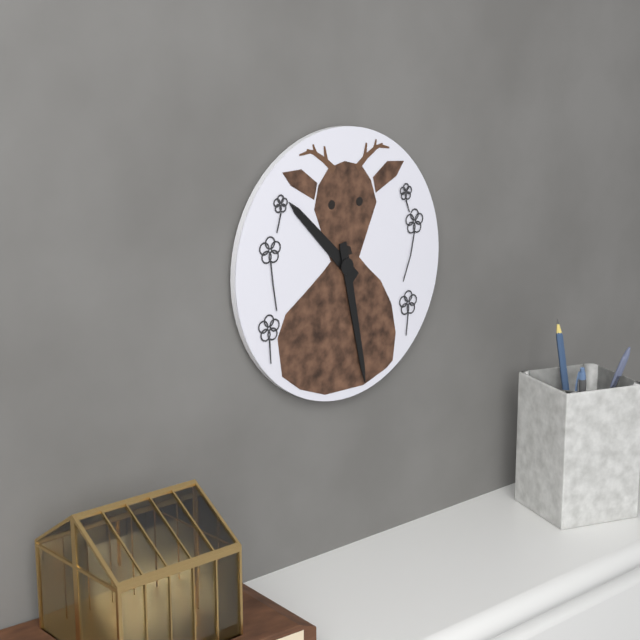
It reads 10.28
